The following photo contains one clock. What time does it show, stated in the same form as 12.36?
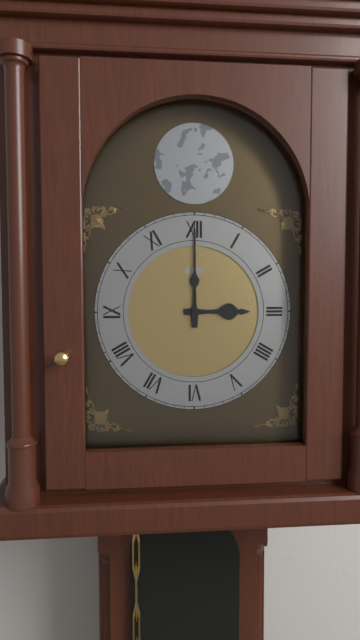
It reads 3.00
